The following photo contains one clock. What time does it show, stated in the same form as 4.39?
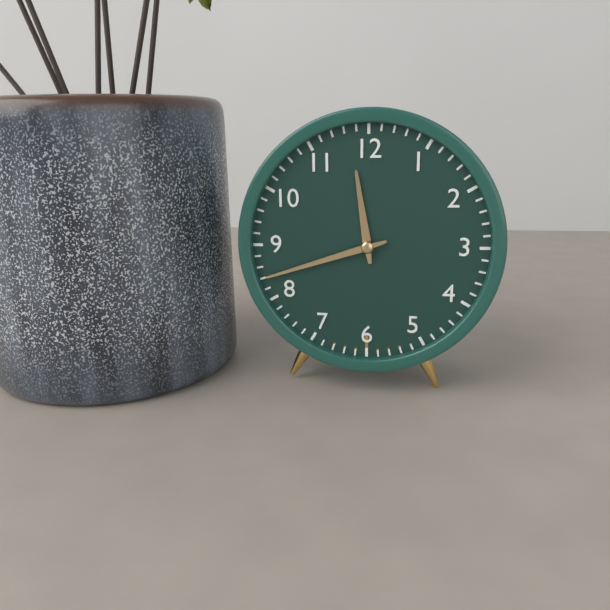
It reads 11.42
